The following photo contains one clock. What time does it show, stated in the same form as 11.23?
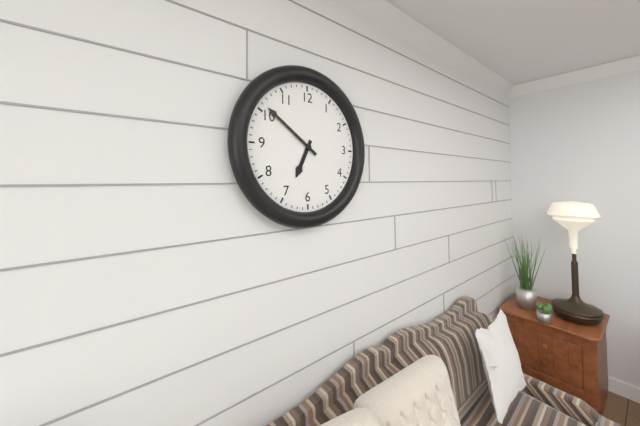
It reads 6.51
